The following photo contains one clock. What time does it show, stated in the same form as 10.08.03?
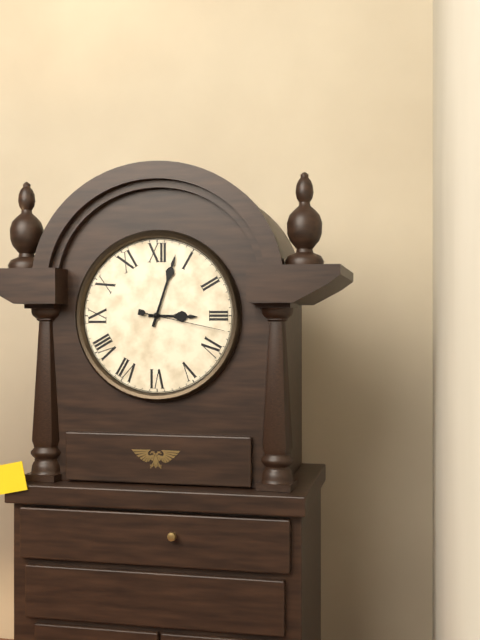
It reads 3.03.17
